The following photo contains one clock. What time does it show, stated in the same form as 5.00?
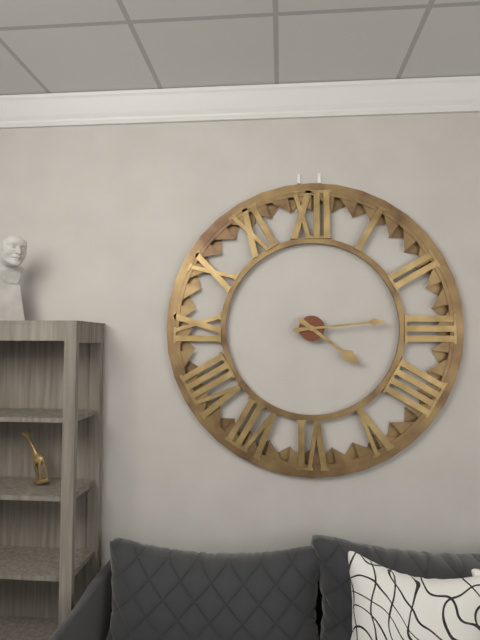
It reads 4.14
